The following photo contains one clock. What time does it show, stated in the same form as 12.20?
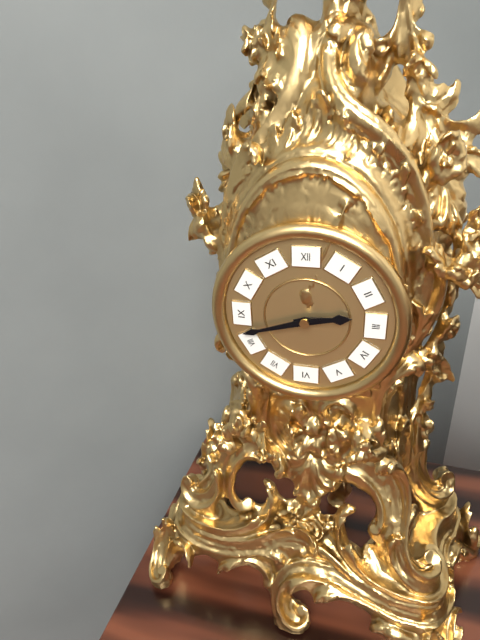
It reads 2.42
